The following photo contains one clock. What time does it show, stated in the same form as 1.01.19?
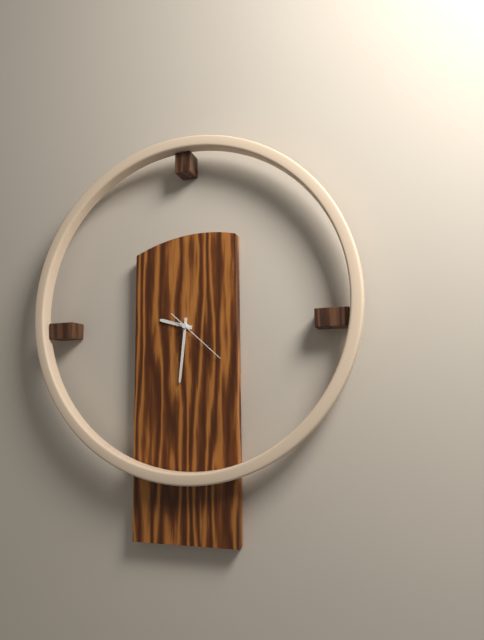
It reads 9.31.22
